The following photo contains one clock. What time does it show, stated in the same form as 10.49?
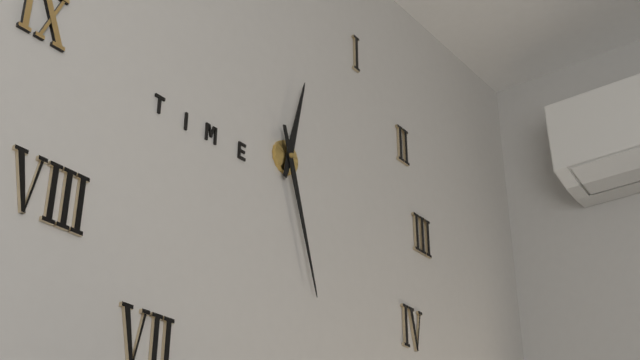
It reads 12.27
